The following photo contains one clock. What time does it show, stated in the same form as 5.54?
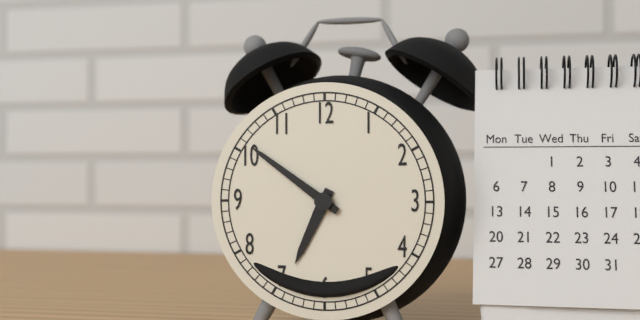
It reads 6.51
